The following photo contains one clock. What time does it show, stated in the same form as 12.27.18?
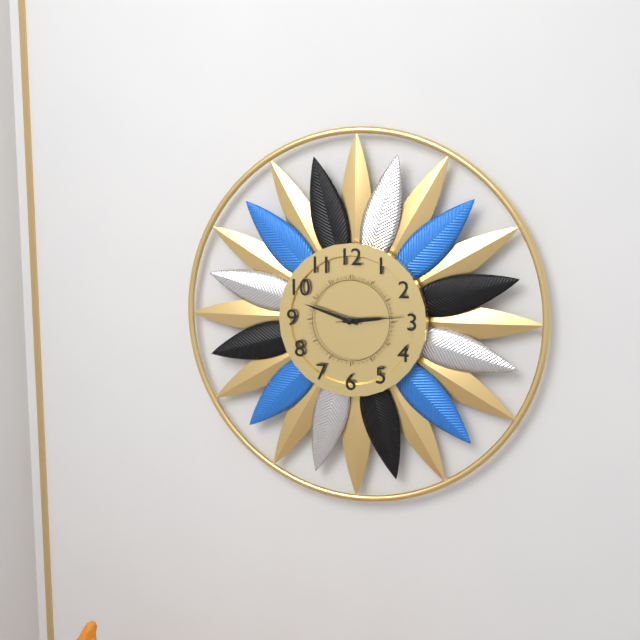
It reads 2.48.14
